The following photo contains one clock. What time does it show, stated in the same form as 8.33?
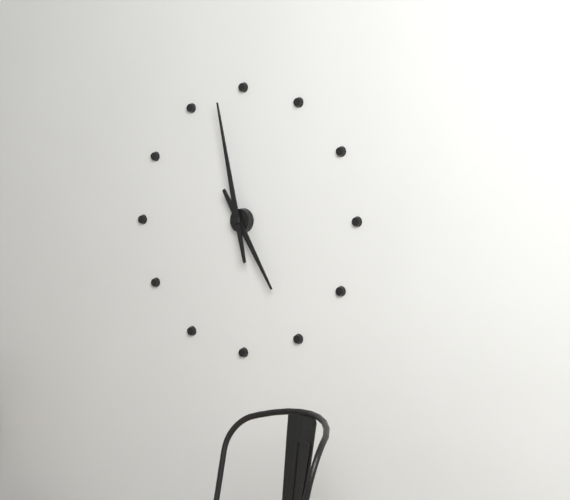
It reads 4.58
